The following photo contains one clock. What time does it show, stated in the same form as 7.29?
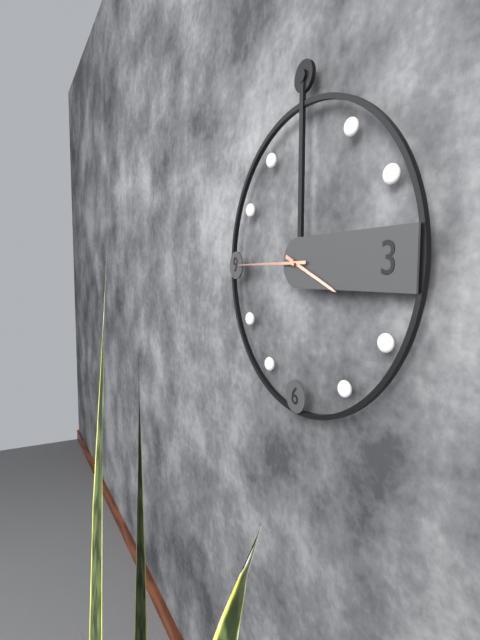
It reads 3.45
